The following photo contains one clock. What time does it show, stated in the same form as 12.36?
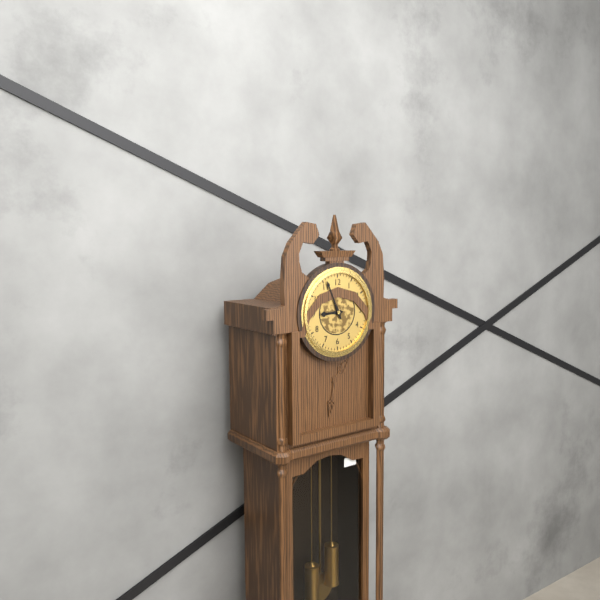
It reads 8.56
